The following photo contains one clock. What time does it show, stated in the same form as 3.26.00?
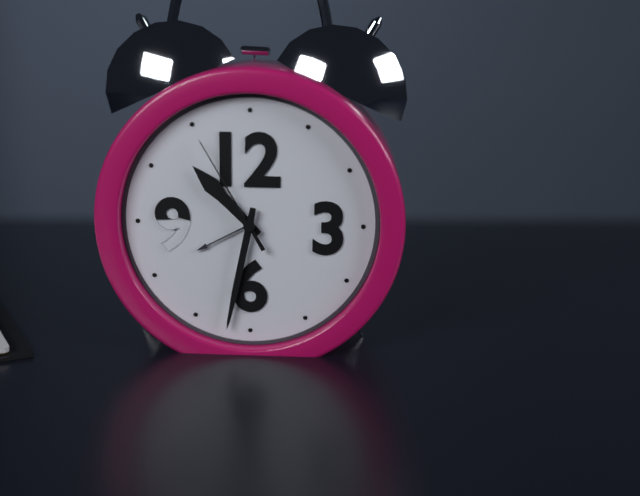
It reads 10.32.55
